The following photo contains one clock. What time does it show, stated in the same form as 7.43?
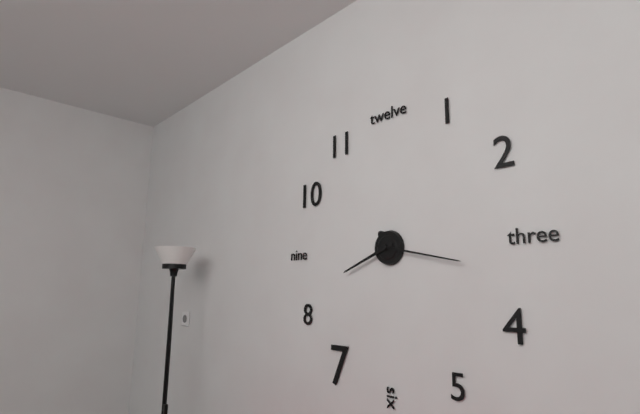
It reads 8.17
